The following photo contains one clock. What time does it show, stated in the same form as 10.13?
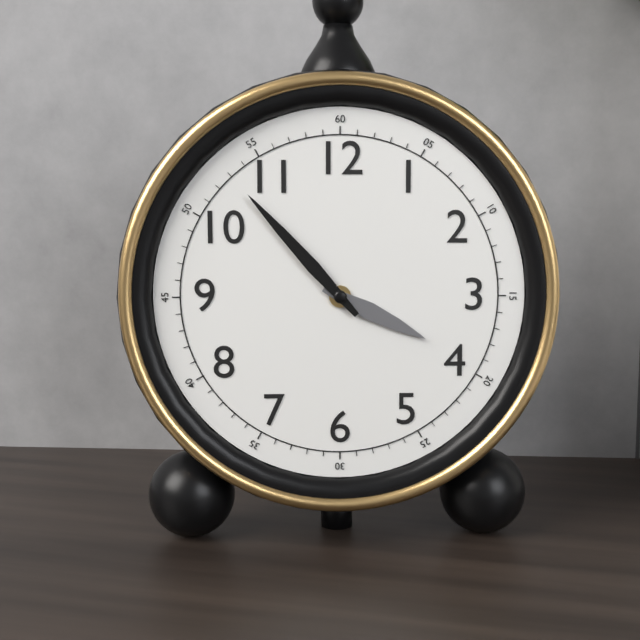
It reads 3.53
